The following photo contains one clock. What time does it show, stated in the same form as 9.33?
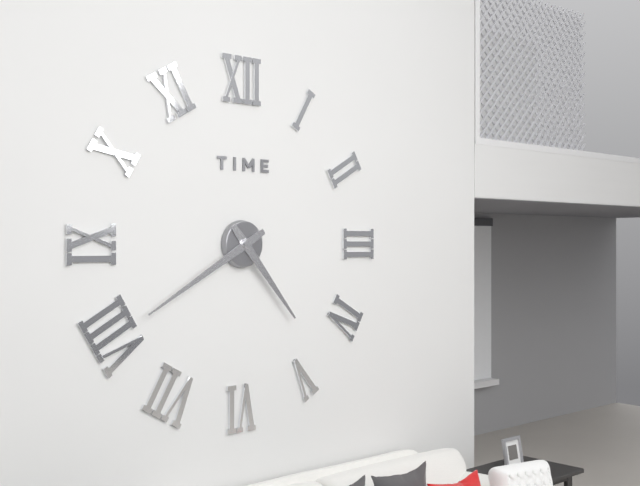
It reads 4.40
